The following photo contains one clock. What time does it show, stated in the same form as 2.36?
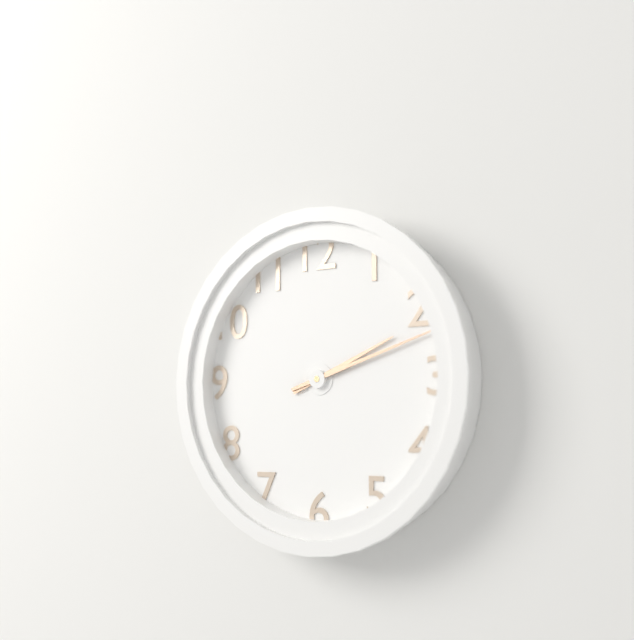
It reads 2.12
